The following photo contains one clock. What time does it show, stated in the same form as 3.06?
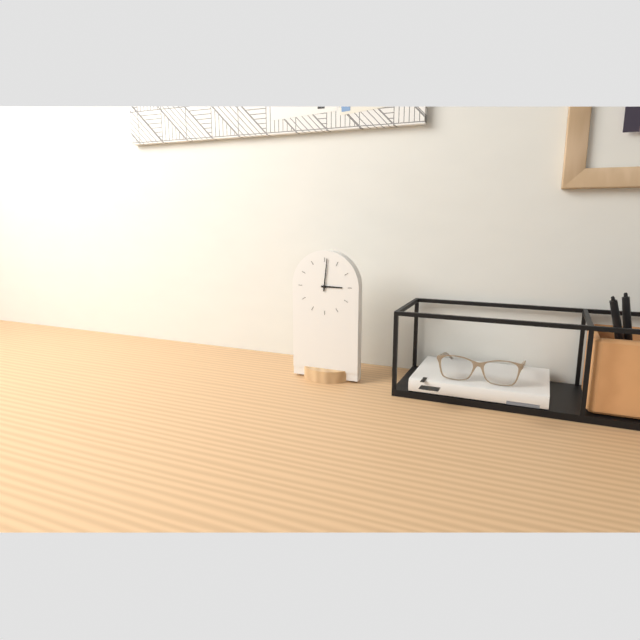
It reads 3.01
